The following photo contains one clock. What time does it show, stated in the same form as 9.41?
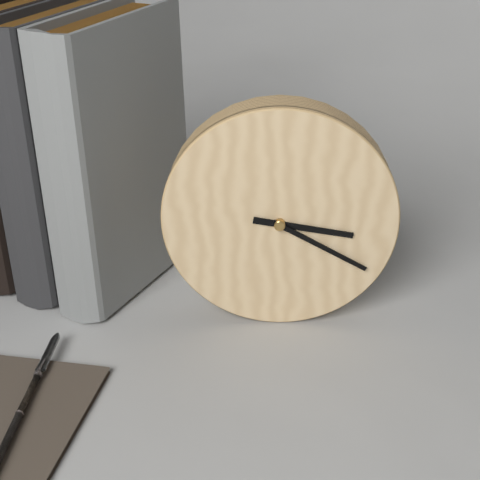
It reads 3.20
